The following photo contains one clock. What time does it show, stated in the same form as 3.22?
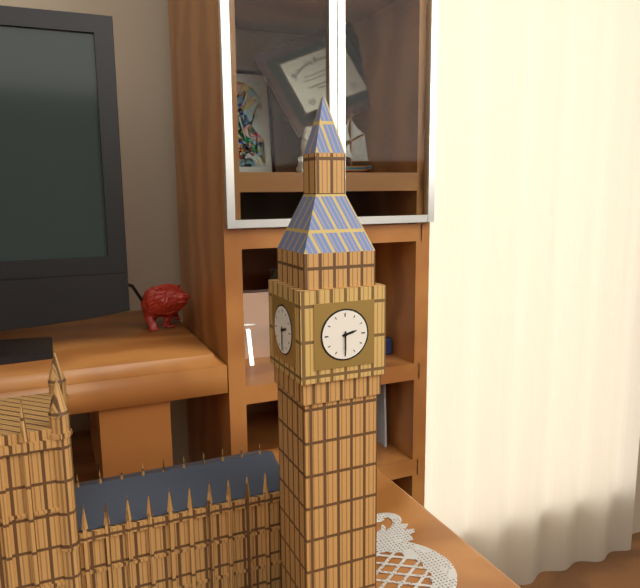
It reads 2.30
